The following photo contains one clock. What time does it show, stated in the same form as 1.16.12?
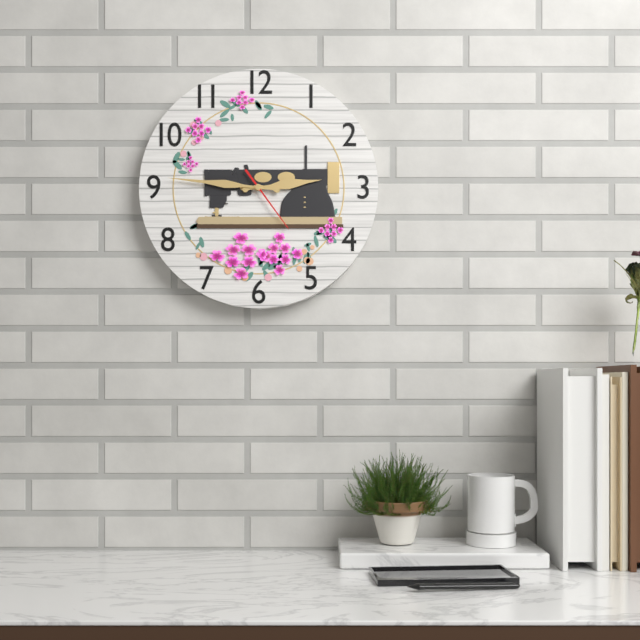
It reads 2.46.24
